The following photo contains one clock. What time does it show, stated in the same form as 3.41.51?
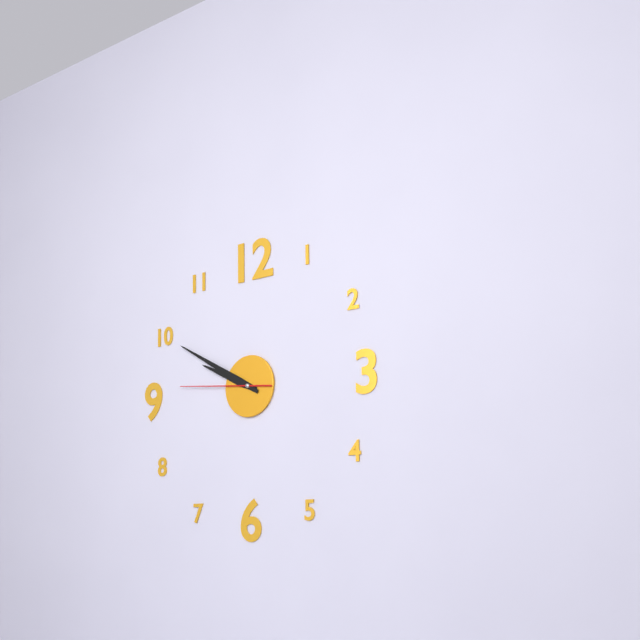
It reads 9.50.46
